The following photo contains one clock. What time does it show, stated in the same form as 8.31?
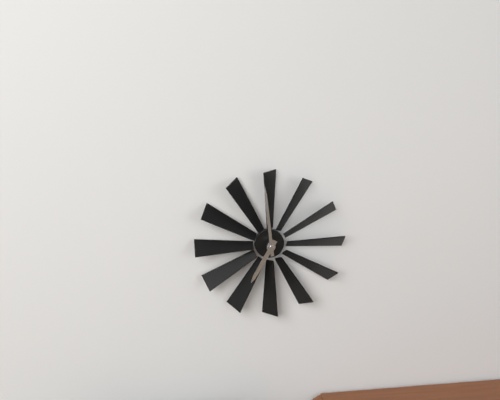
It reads 6.59
